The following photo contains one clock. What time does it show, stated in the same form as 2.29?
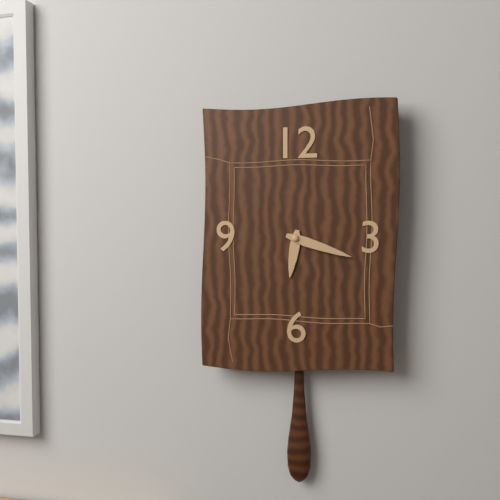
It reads 6.18
